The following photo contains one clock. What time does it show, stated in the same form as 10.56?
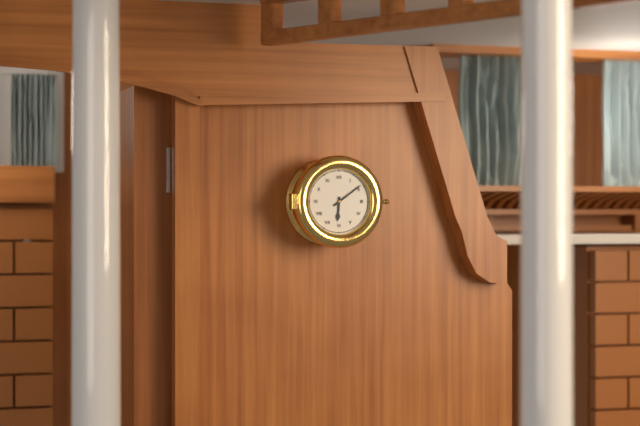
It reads 6.09
